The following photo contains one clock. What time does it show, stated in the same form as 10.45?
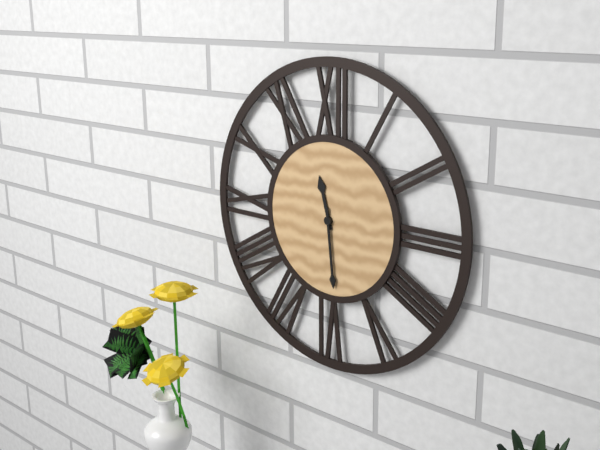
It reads 11.29
